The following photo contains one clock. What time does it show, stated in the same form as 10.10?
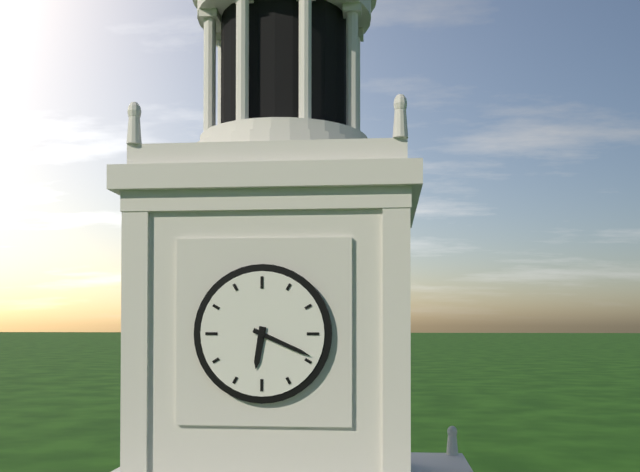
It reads 6.19
